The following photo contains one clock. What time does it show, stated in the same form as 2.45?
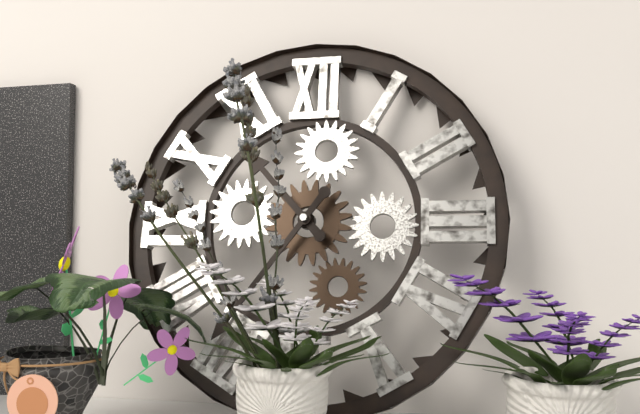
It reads 10.36
